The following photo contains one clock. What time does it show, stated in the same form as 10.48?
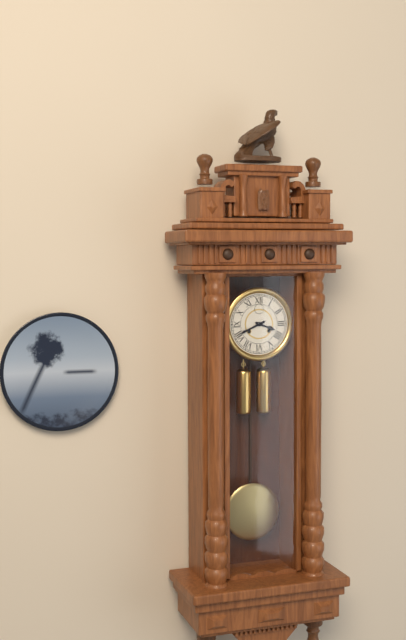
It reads 3.41
